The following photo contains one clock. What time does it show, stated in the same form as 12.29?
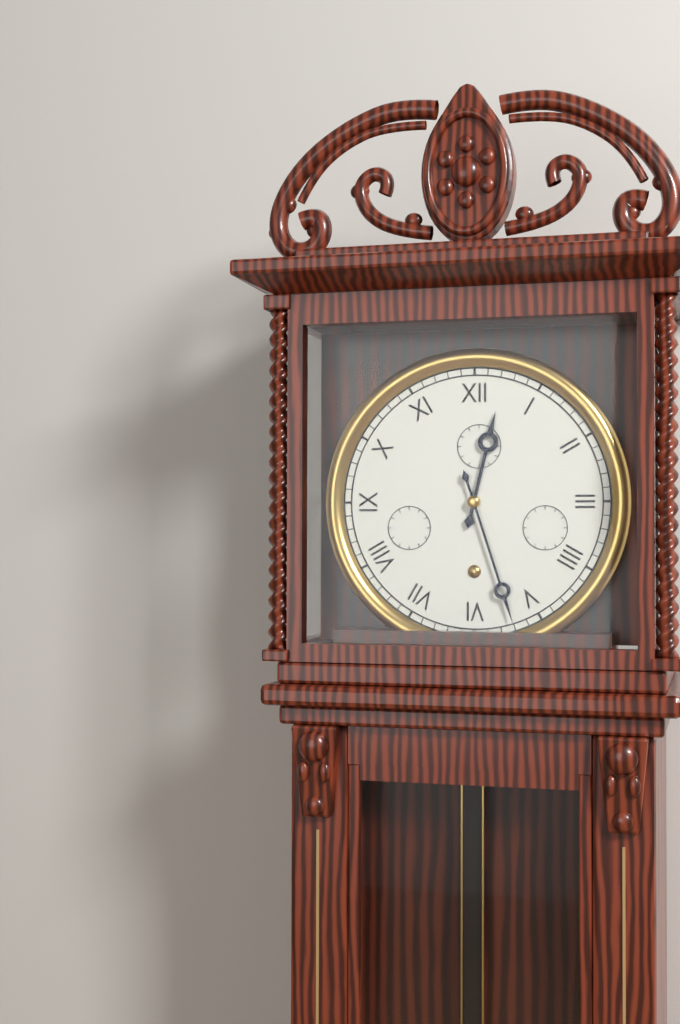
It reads 12.27
